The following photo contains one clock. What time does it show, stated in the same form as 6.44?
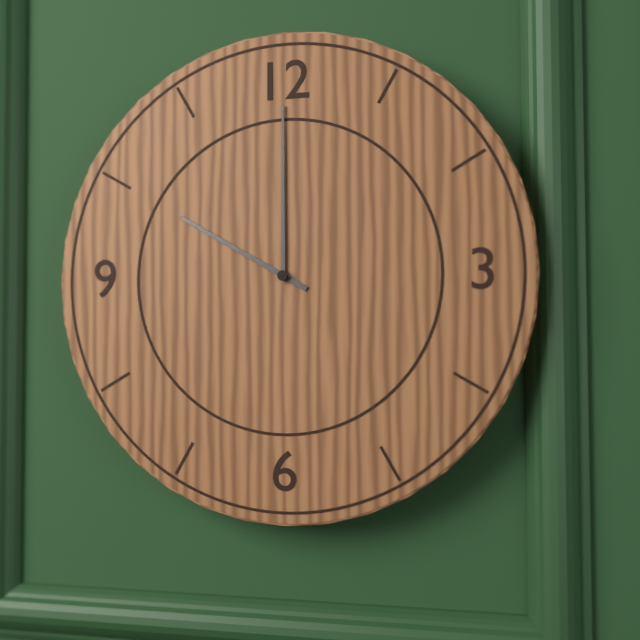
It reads 10.00
